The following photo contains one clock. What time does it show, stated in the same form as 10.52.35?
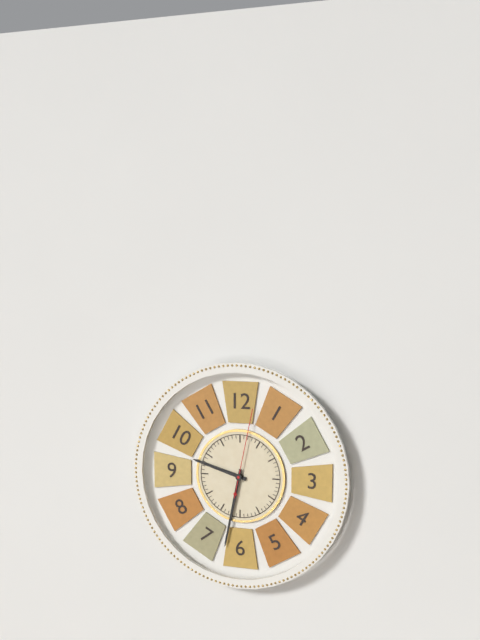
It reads 9.32.02
